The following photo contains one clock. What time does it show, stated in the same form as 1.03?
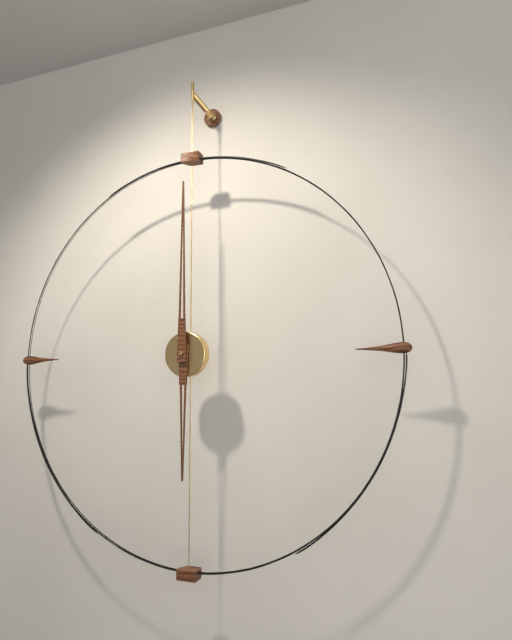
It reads 6.00
